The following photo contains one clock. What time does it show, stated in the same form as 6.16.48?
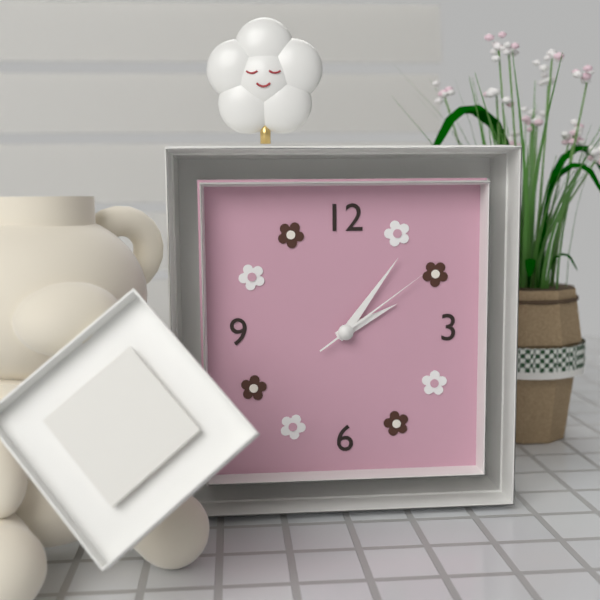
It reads 2.06.09
